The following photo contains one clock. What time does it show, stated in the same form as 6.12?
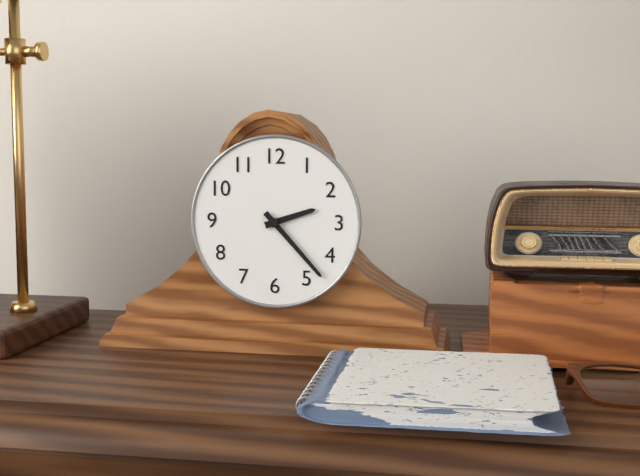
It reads 2.23
